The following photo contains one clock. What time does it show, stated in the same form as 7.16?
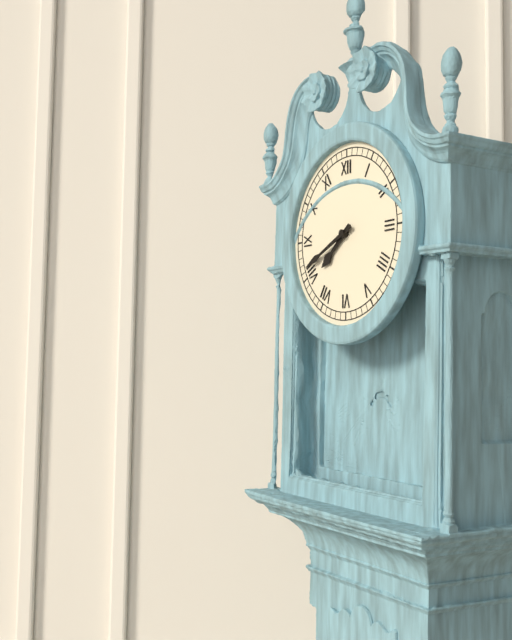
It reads 7.41
